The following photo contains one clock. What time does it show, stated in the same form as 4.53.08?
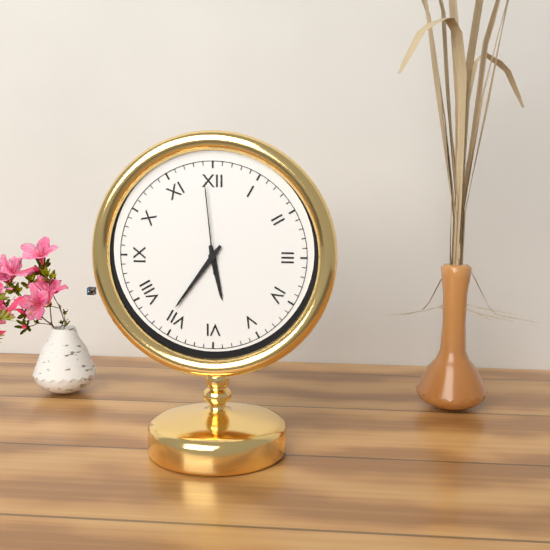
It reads 5.36.59
